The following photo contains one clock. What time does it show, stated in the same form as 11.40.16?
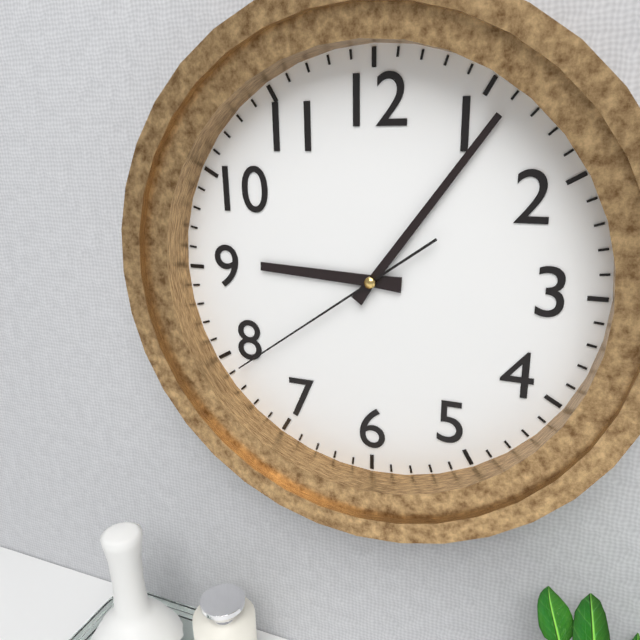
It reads 9.06.39
